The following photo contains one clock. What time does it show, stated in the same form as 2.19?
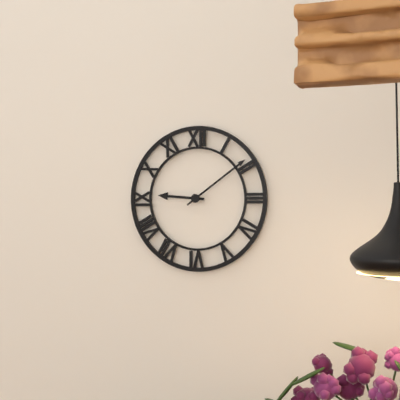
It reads 9.09
